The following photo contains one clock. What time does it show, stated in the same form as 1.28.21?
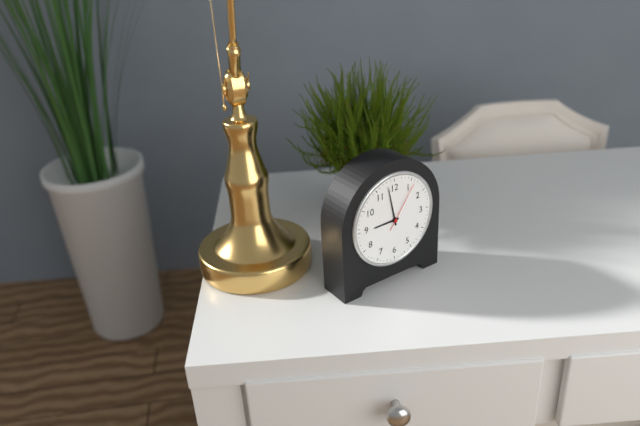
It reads 8.58.06
